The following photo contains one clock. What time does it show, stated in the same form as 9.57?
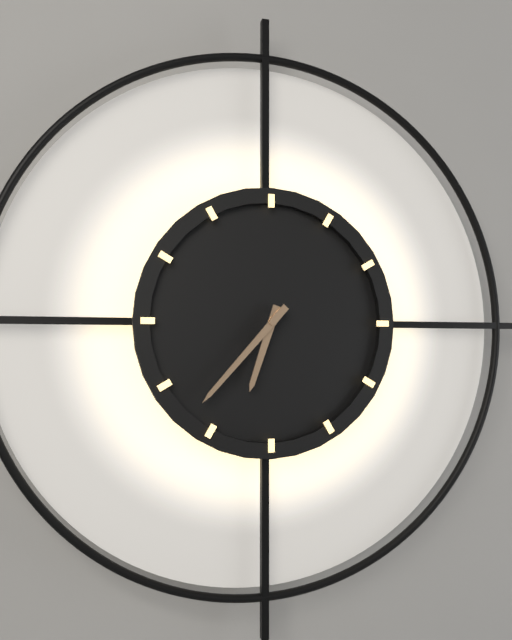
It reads 6.37
